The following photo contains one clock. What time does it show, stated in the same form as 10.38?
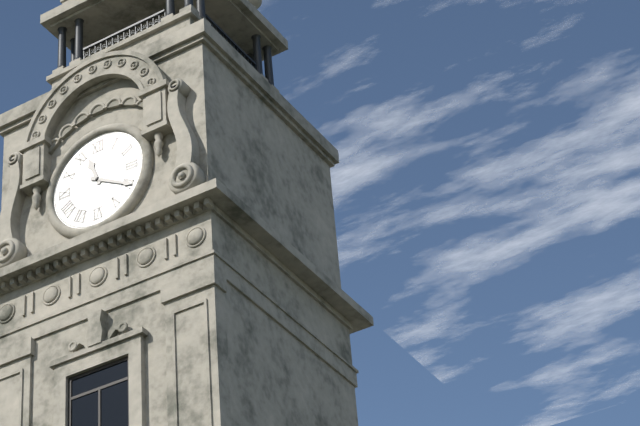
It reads 11.20
